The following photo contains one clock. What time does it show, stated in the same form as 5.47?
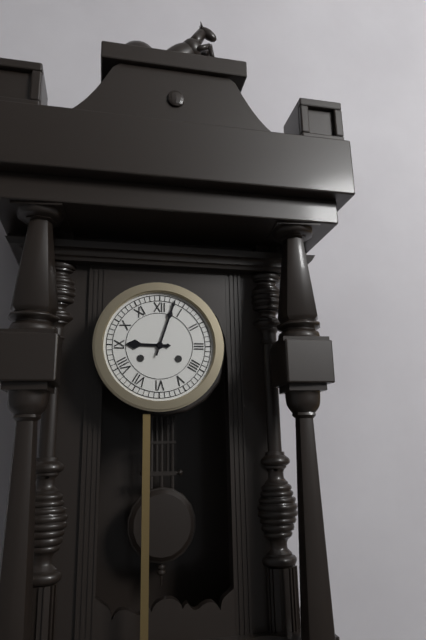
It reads 9.03
